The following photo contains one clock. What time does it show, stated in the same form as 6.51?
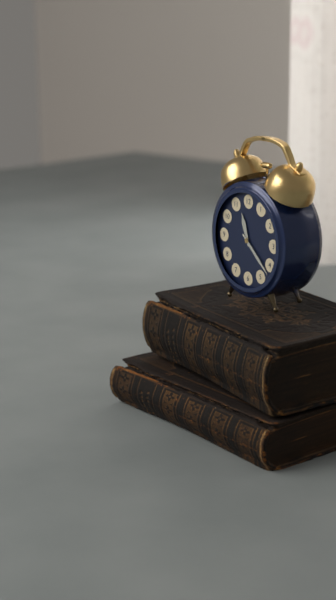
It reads 11.22
